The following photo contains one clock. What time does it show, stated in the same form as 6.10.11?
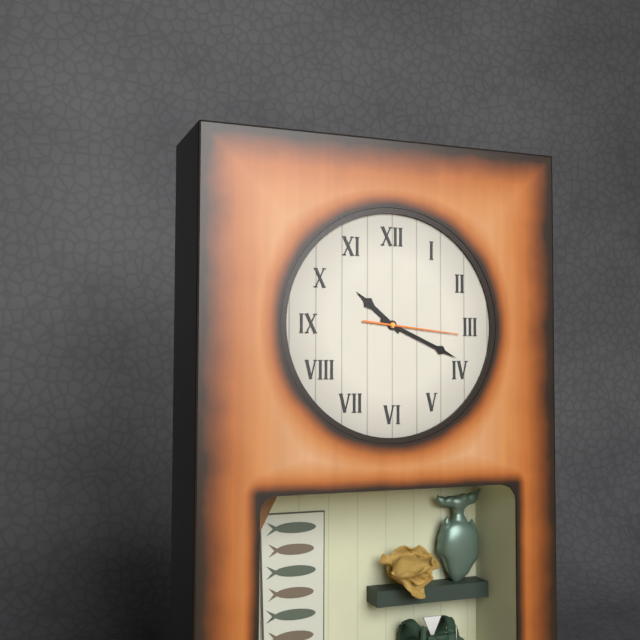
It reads 10.19.16
